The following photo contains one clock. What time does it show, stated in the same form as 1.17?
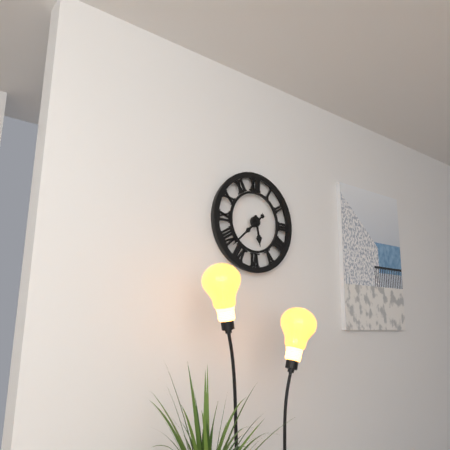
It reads 5.38
